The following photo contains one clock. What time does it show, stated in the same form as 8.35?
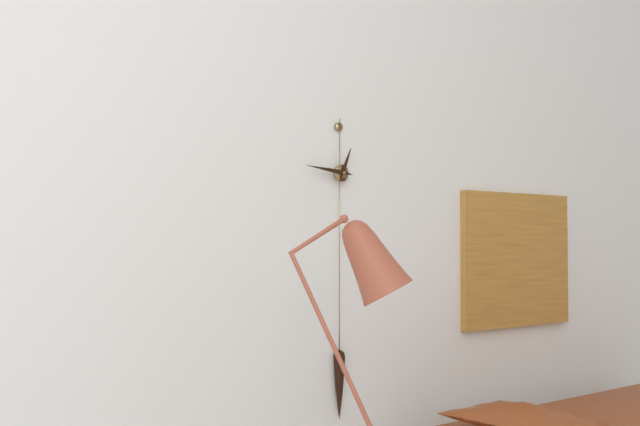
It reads 12.46
